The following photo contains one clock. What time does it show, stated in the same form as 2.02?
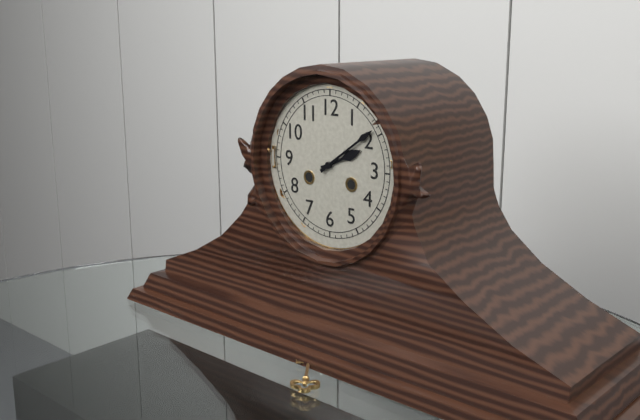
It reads 2.09
